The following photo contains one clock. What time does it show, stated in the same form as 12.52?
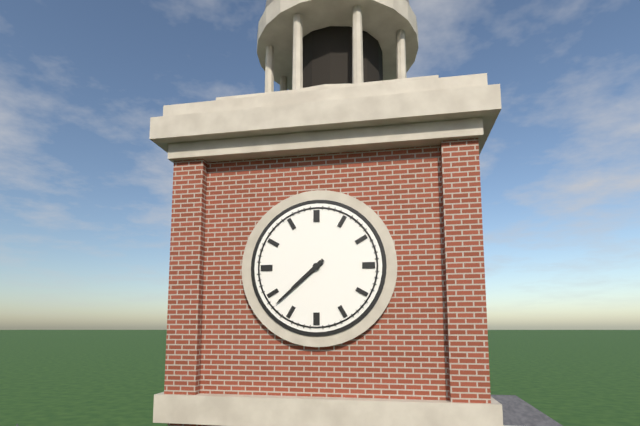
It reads 7.38
